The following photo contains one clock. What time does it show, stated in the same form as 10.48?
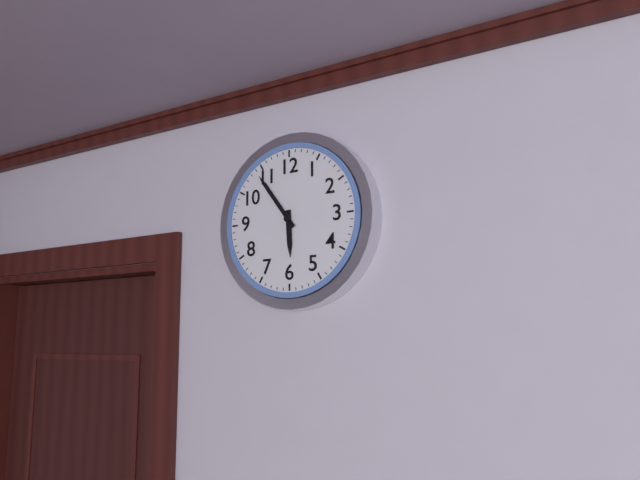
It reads 5.54
